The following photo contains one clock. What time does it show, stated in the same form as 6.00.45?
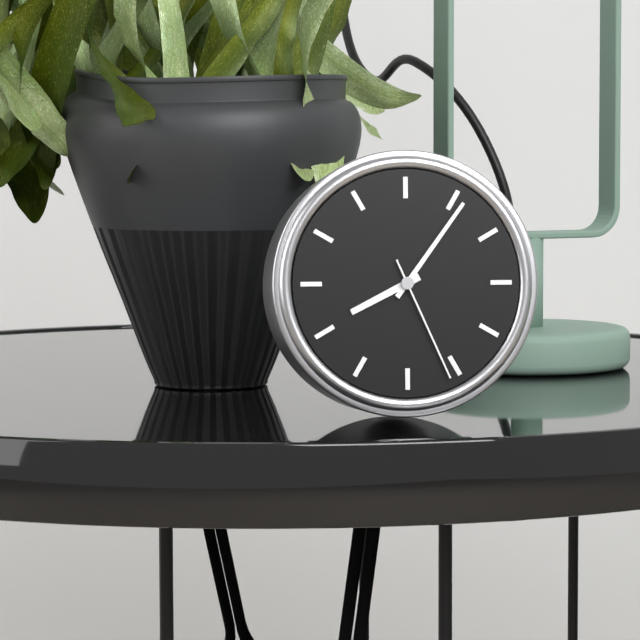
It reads 8.06.26
